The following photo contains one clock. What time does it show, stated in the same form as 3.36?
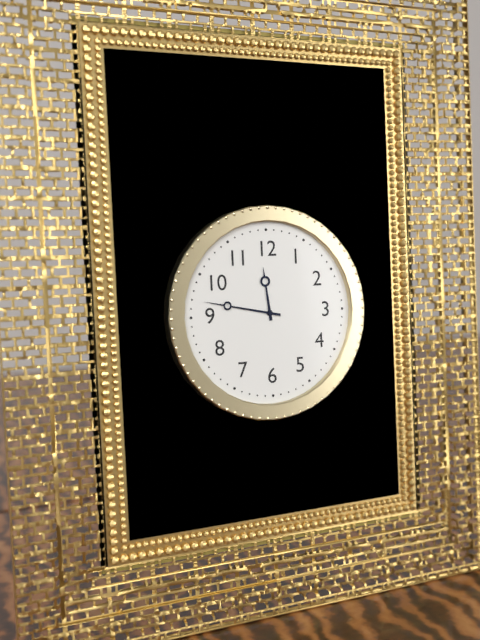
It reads 11.47
